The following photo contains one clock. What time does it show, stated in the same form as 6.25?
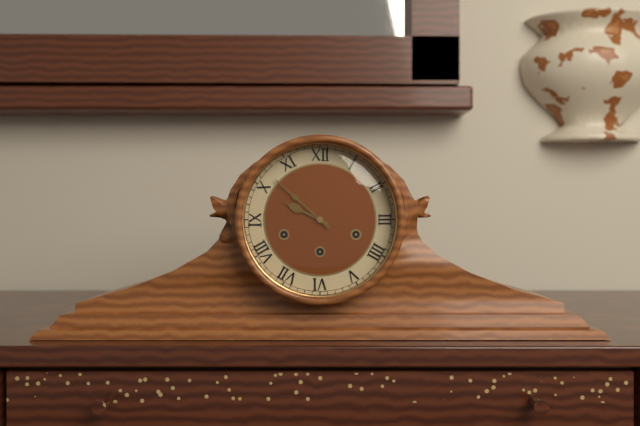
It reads 9.52
